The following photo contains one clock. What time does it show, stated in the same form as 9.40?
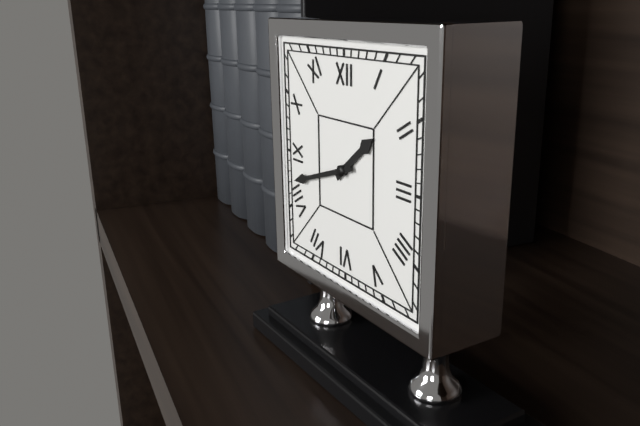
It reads 1.42
